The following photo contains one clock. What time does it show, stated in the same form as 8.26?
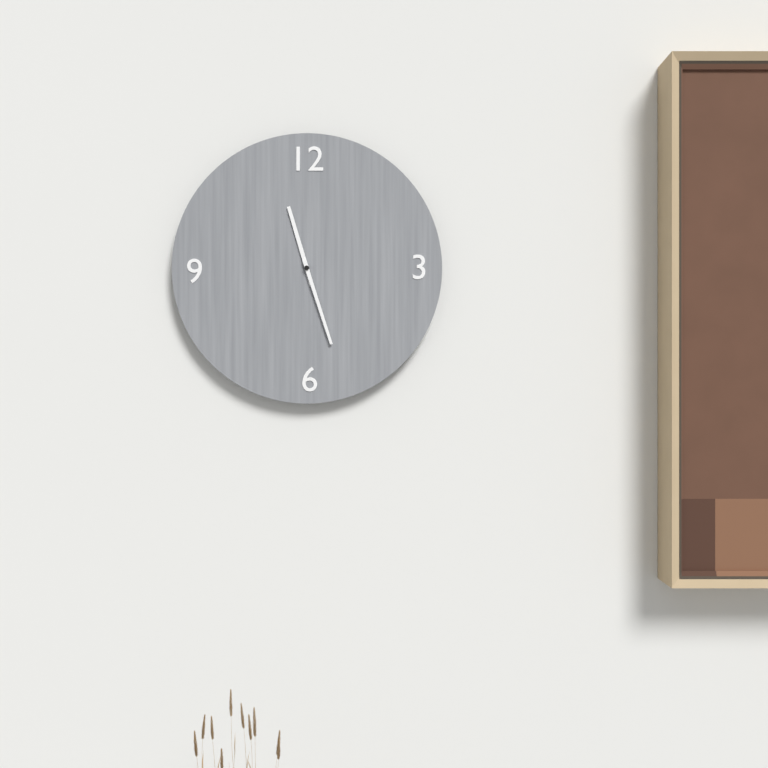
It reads 11.27
